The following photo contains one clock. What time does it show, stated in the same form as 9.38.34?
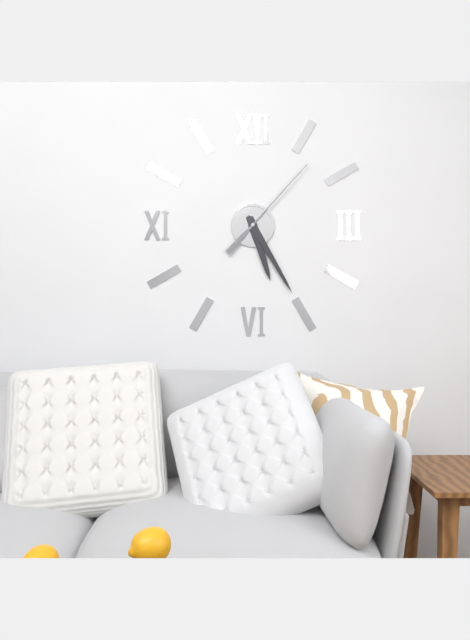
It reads 5.25.07
